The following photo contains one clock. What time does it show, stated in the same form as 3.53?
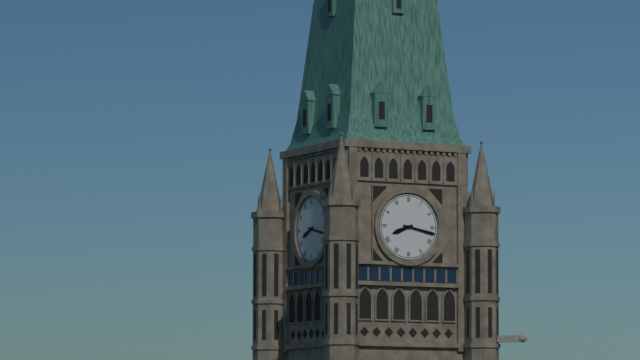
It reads 8.17
